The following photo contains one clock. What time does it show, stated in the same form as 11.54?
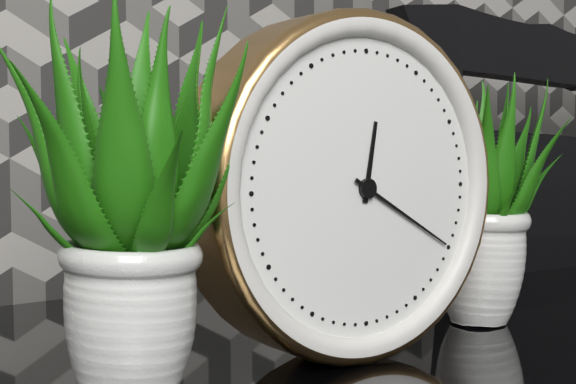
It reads 12.20
